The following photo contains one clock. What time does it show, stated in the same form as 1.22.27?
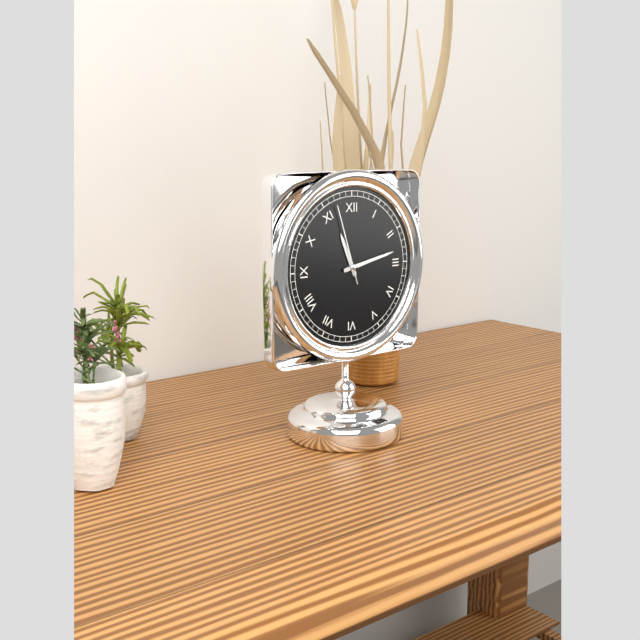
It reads 11.13.57
